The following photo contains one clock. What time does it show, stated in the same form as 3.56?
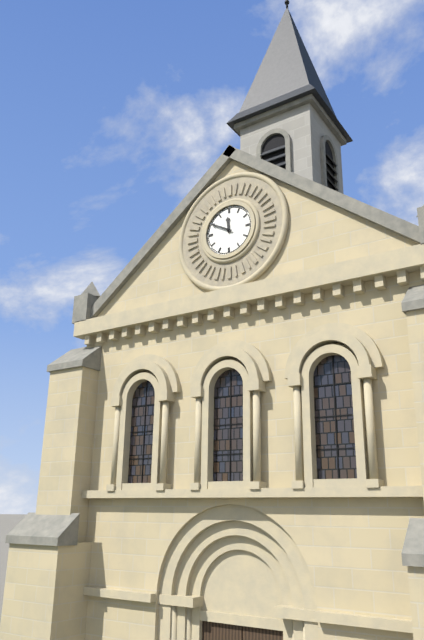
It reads 11.50
